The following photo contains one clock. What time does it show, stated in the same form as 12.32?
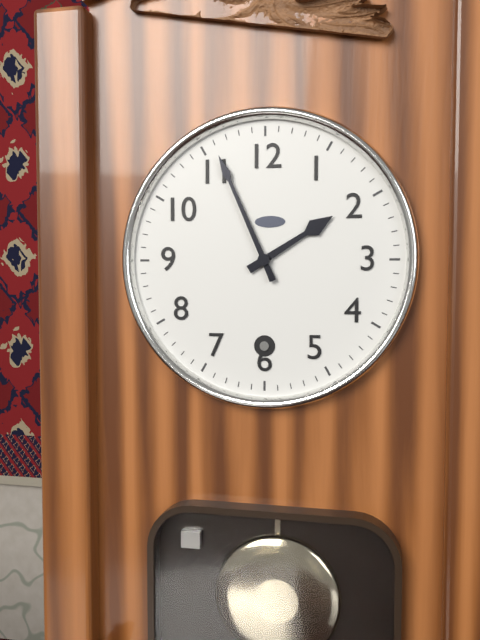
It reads 1.56
